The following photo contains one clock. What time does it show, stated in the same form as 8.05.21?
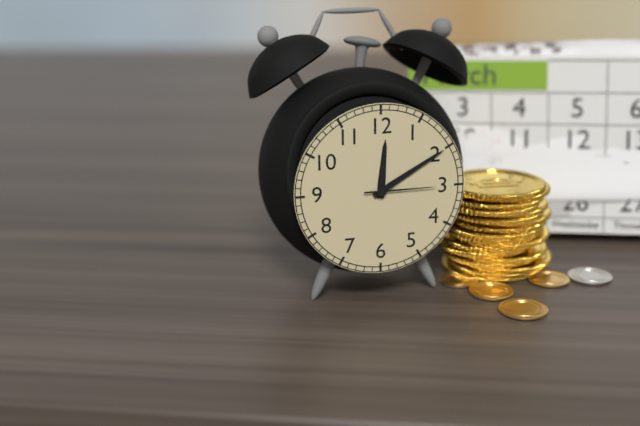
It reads 12.10.15
